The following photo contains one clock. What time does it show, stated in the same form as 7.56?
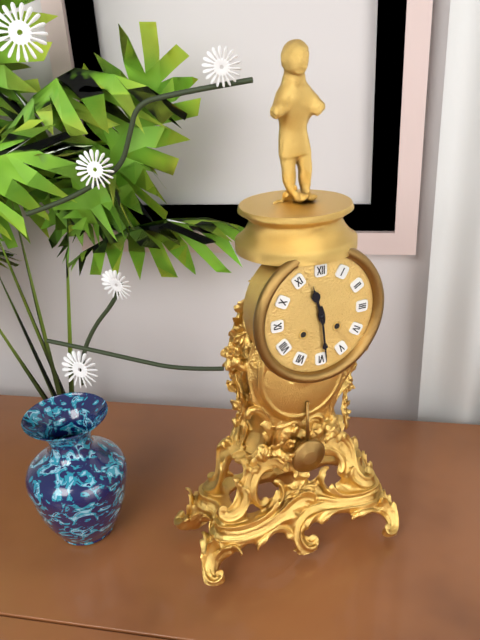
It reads 11.29
